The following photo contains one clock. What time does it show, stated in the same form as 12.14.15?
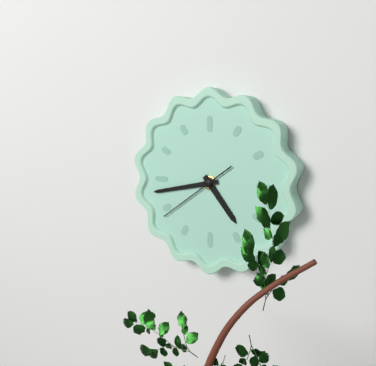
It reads 4.43.39
